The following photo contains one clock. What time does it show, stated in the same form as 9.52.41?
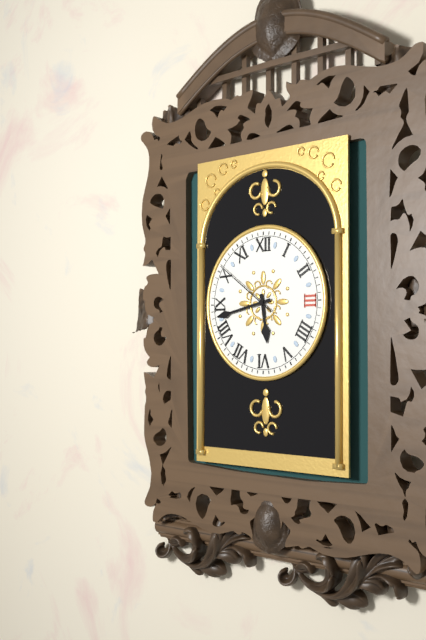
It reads 5.43.51
